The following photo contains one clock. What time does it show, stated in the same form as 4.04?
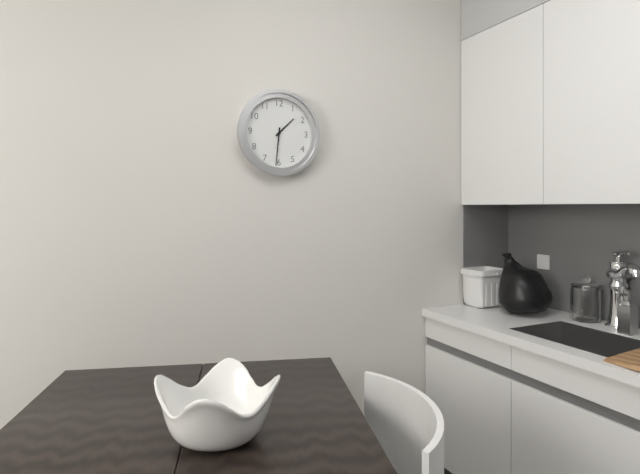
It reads 1.31
